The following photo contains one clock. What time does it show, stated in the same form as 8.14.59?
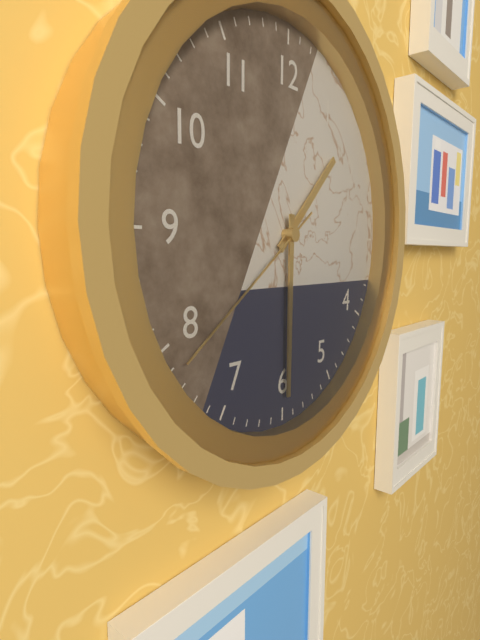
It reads 1.30.39
